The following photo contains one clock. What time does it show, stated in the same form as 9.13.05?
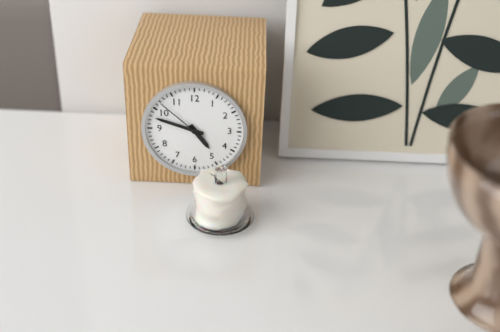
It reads 4.48.52
